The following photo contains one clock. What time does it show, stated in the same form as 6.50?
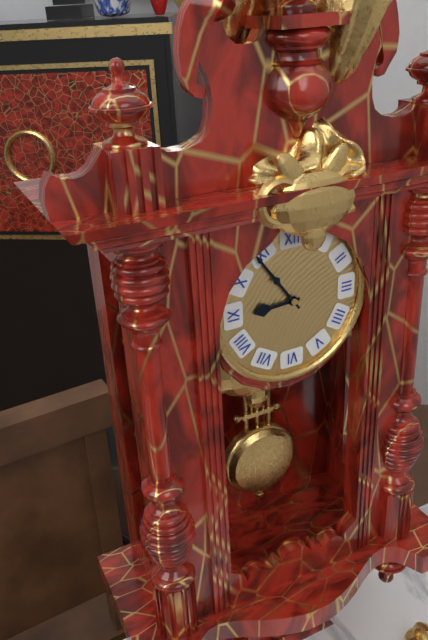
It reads 8.54
